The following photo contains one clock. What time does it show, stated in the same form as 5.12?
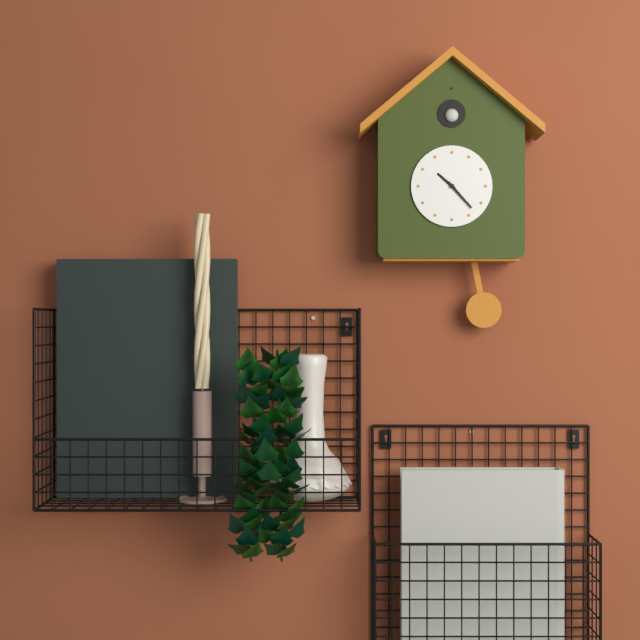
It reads 10.23
